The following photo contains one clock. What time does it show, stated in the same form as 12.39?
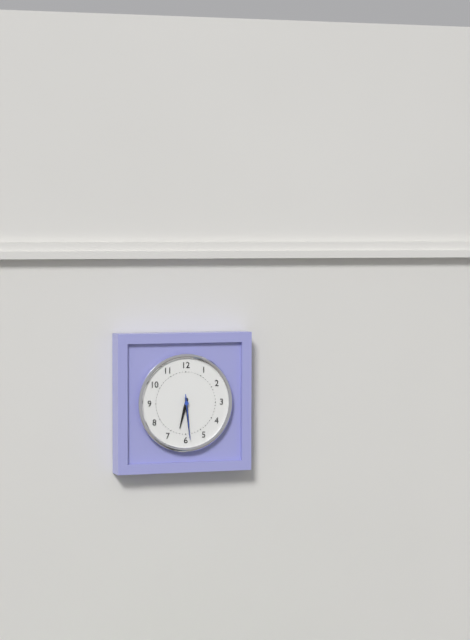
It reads 6.29
